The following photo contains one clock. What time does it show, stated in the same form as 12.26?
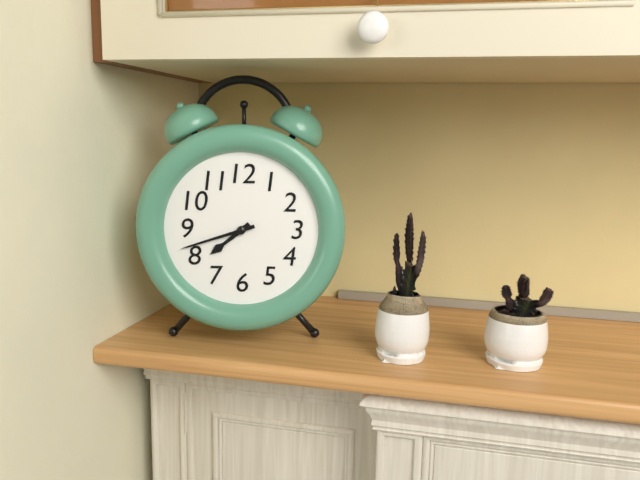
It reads 7.42
